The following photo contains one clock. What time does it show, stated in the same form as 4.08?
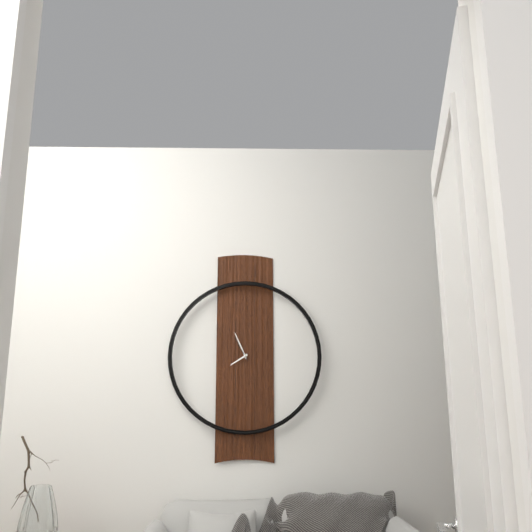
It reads 7.56
